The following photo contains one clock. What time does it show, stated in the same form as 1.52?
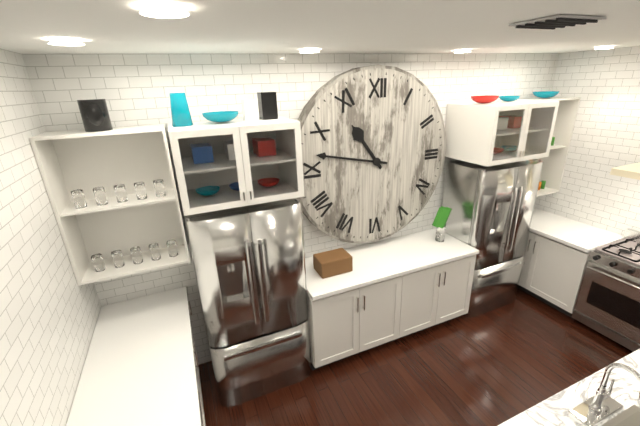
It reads 10.47
